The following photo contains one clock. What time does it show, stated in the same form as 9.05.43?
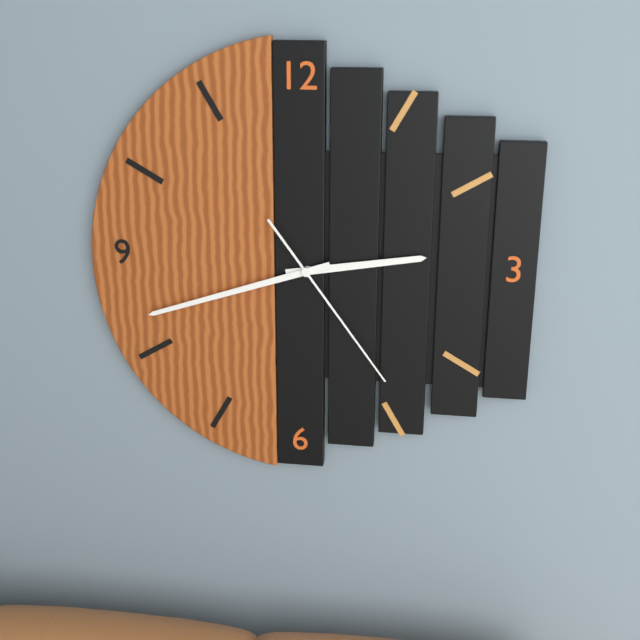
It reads 2.42.24
